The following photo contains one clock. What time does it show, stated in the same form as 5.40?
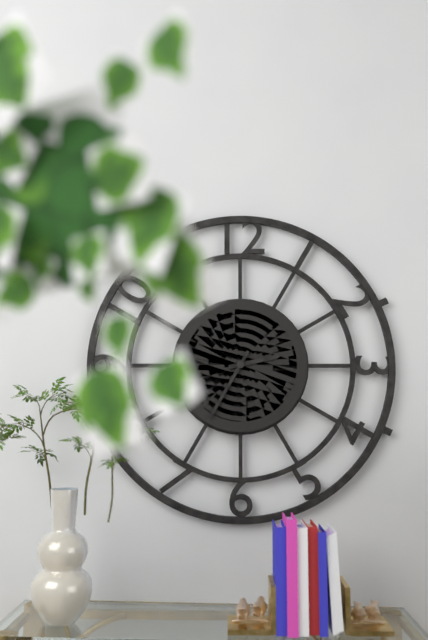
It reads 2.35
